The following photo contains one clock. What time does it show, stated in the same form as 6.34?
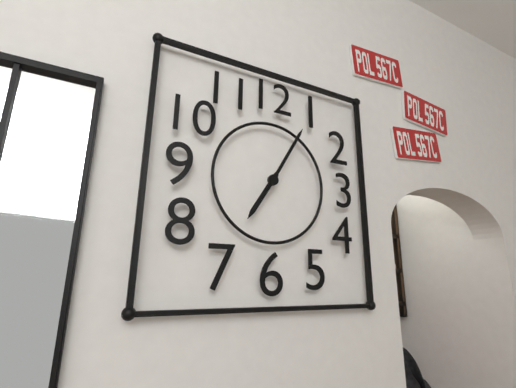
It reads 7.05
